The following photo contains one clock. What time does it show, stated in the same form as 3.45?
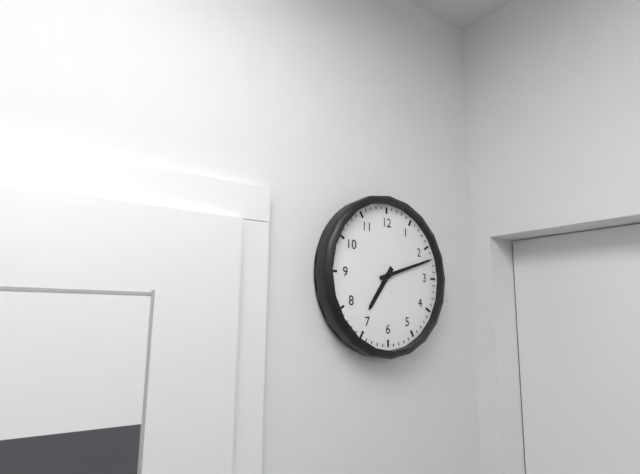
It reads 7.12
